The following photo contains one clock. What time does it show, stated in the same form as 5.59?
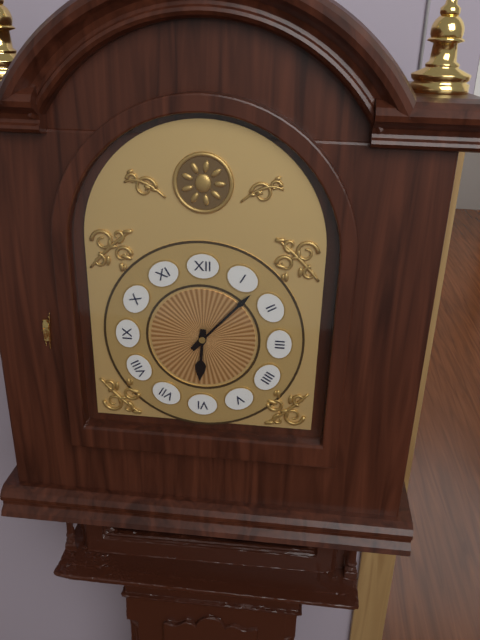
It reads 6.07
